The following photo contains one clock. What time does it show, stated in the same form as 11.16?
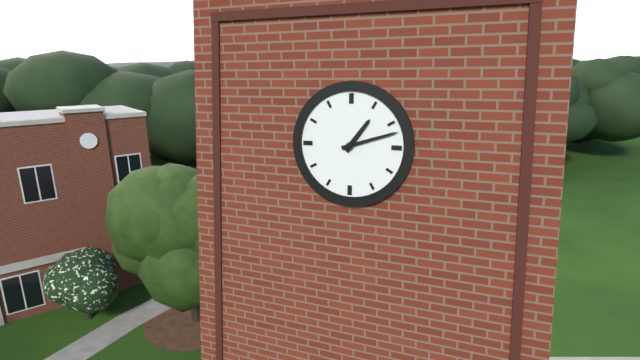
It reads 1.12
